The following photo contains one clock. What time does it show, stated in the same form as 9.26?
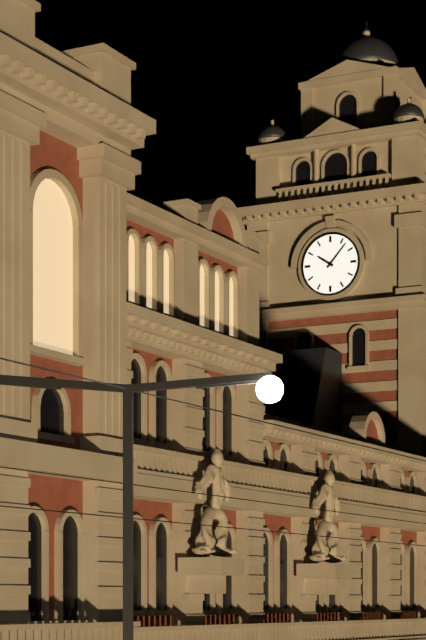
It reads 10.07
